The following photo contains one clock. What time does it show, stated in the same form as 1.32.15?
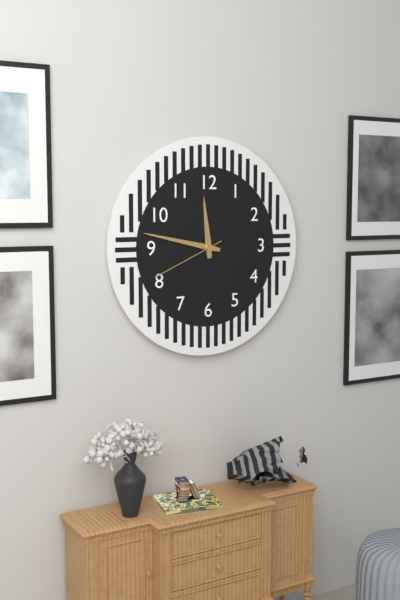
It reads 11.47.41
